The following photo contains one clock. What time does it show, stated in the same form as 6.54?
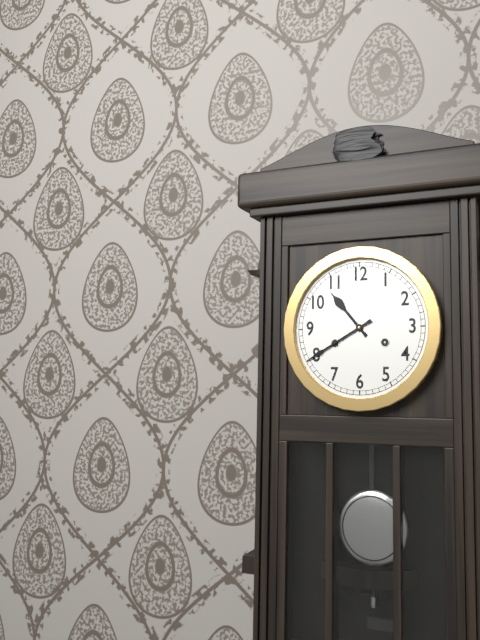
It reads 10.40
